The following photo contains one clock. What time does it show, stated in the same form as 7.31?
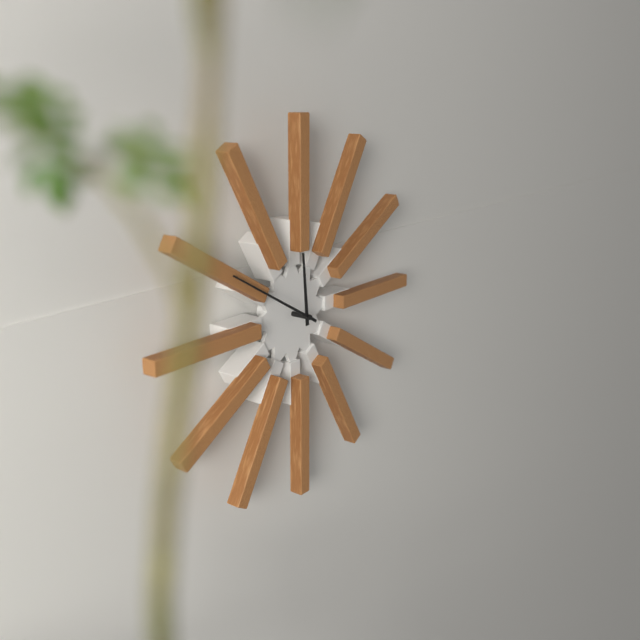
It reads 11.50
